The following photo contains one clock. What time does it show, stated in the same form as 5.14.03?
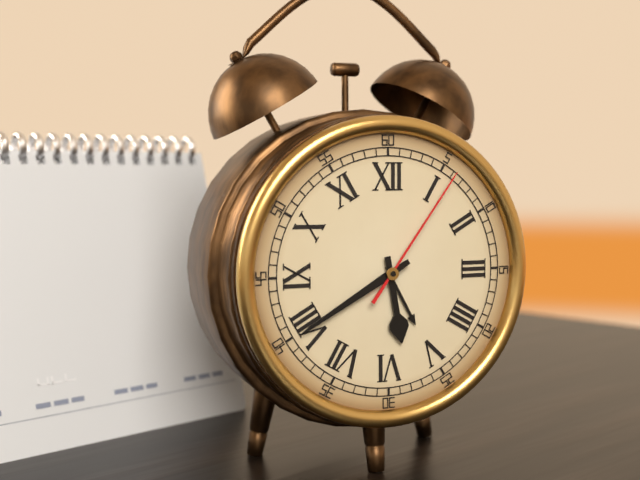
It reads 5.40.06
